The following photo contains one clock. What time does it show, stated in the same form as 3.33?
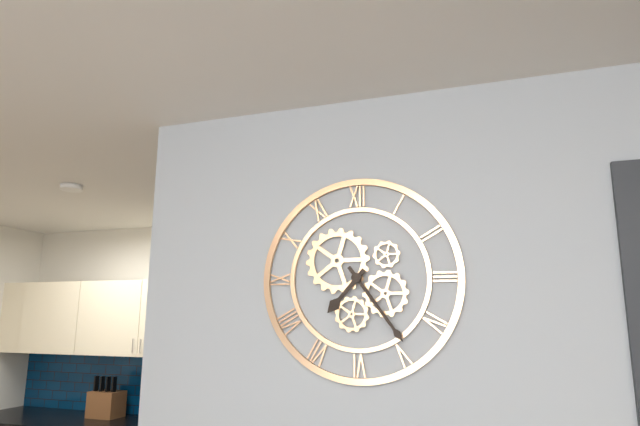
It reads 7.24
